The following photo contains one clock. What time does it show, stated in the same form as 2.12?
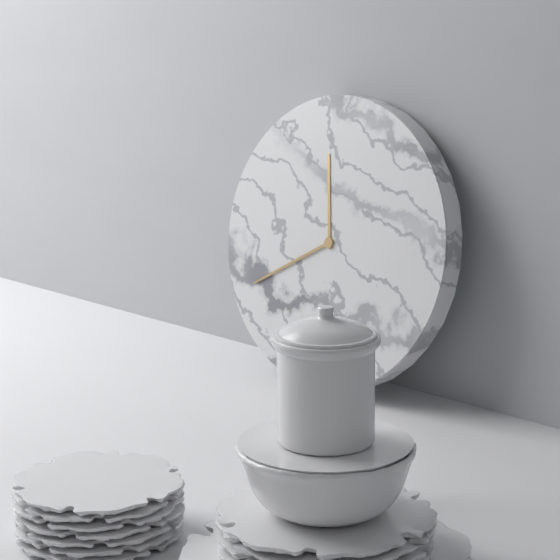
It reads 11.40
